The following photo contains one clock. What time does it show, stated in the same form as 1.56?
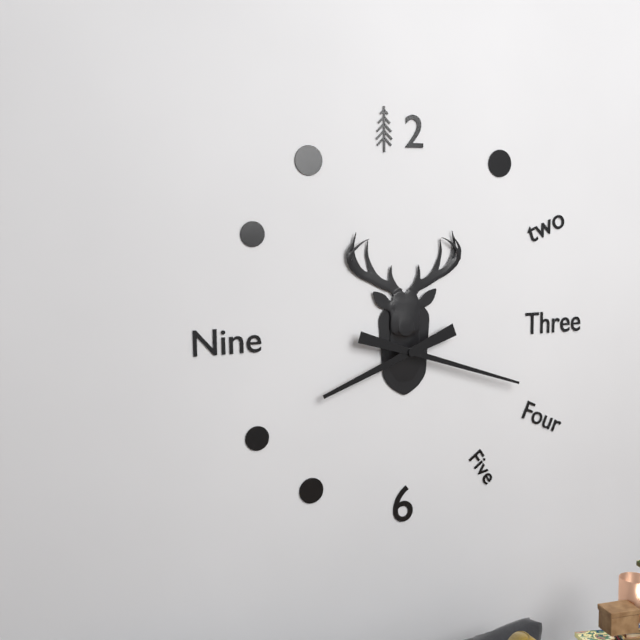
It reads 8.18
